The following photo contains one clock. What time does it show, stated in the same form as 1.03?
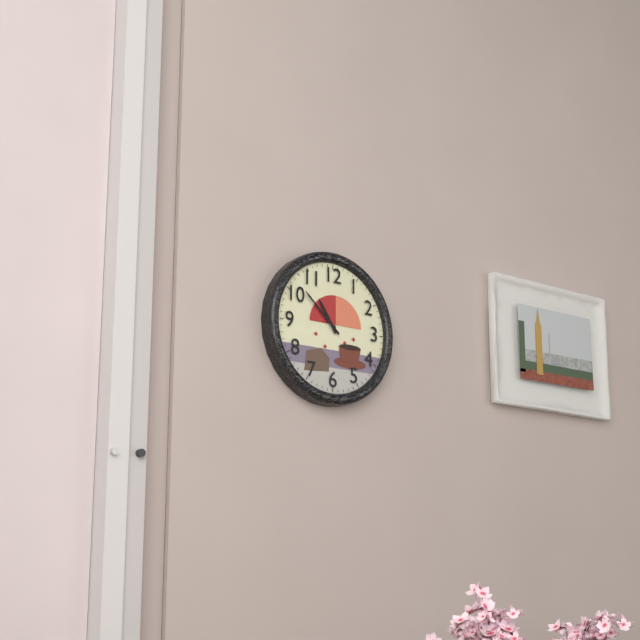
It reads 10.52
